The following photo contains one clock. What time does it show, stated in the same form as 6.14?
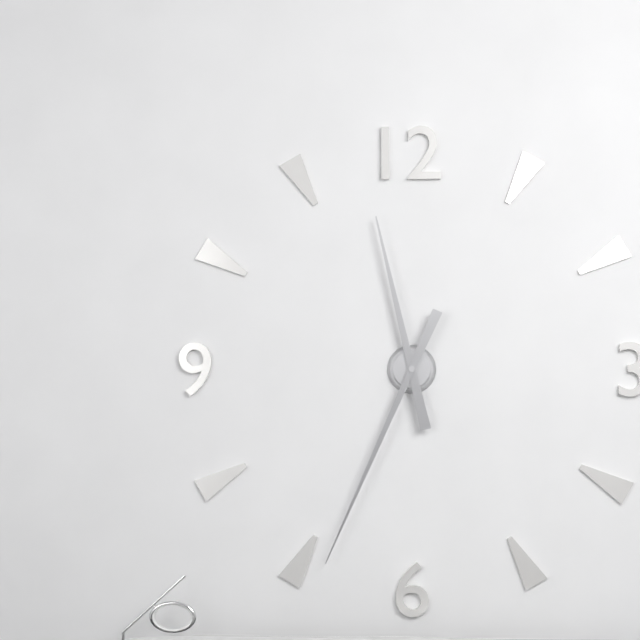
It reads 11.34
